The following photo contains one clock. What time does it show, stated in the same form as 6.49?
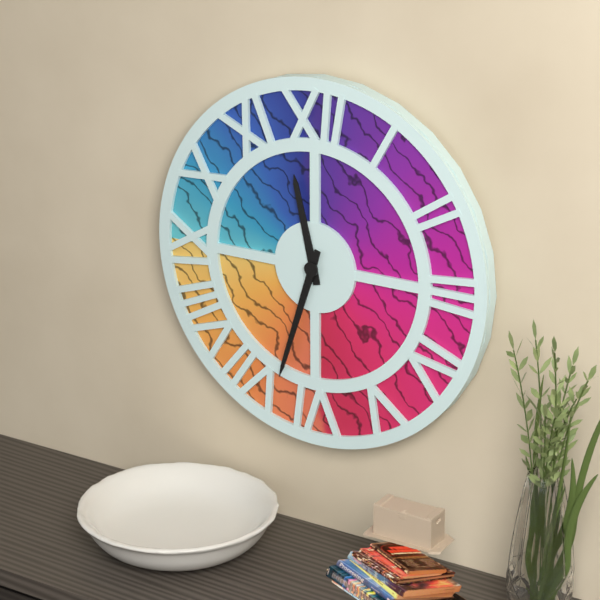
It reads 11.33
